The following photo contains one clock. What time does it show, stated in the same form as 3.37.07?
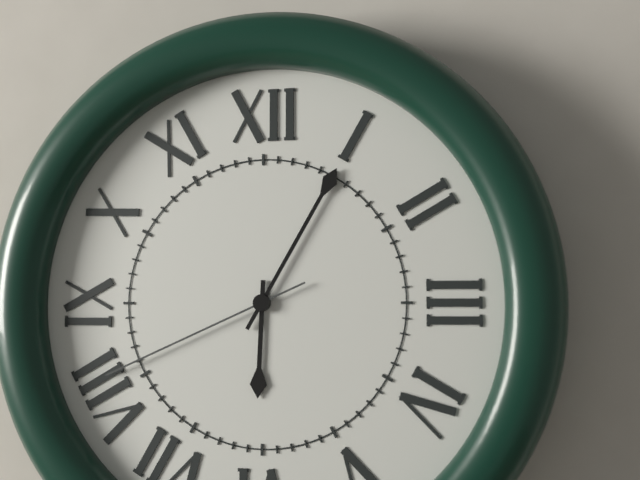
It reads 6.05.41
